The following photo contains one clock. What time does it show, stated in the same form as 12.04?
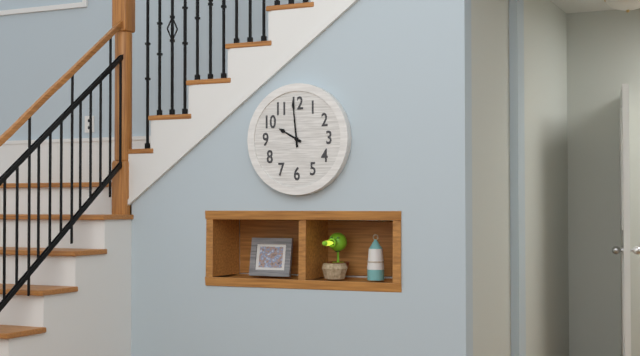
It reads 9.59
